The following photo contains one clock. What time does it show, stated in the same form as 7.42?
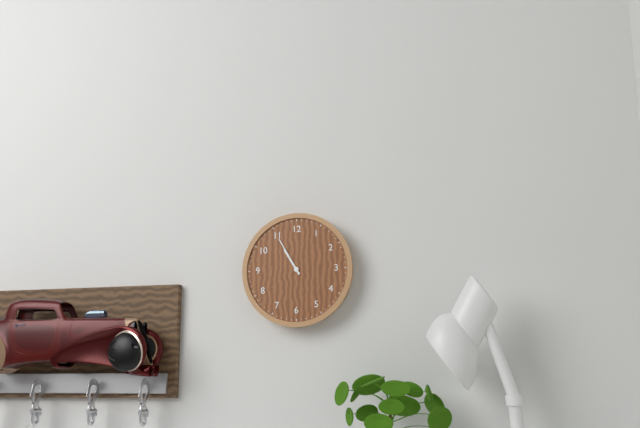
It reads 10.55
